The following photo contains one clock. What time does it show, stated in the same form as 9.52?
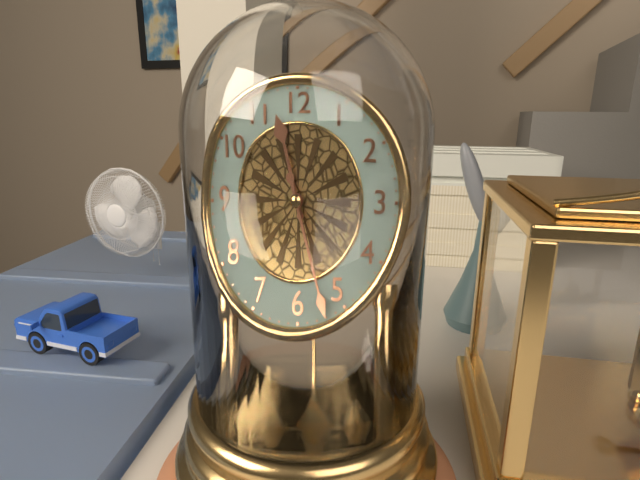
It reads 11.27
